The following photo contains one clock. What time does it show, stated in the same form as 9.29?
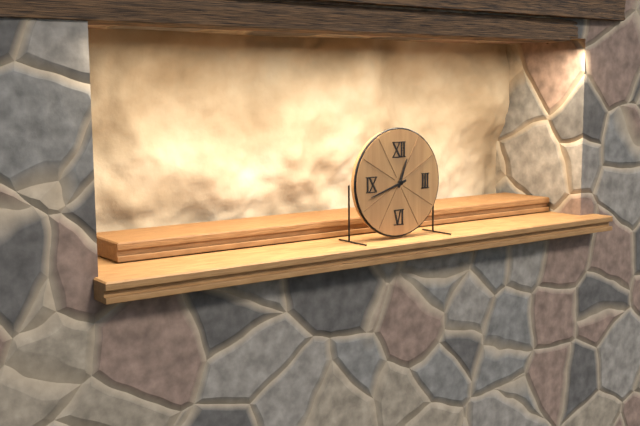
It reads 12.42
